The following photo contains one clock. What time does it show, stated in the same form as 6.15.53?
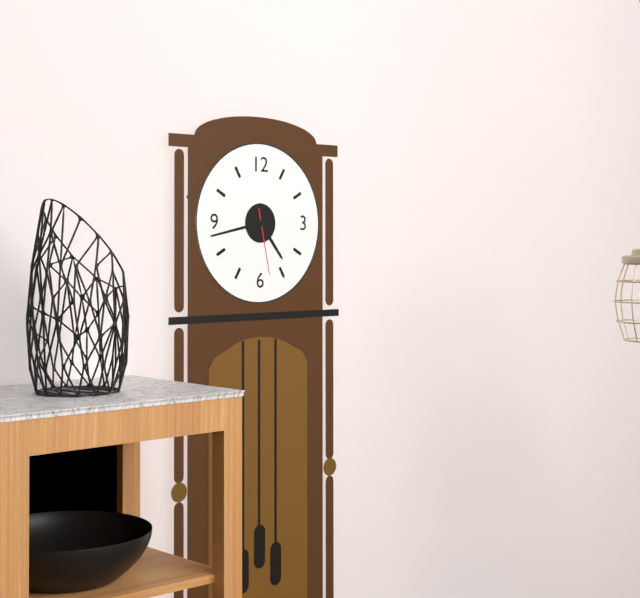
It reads 4.43.28
